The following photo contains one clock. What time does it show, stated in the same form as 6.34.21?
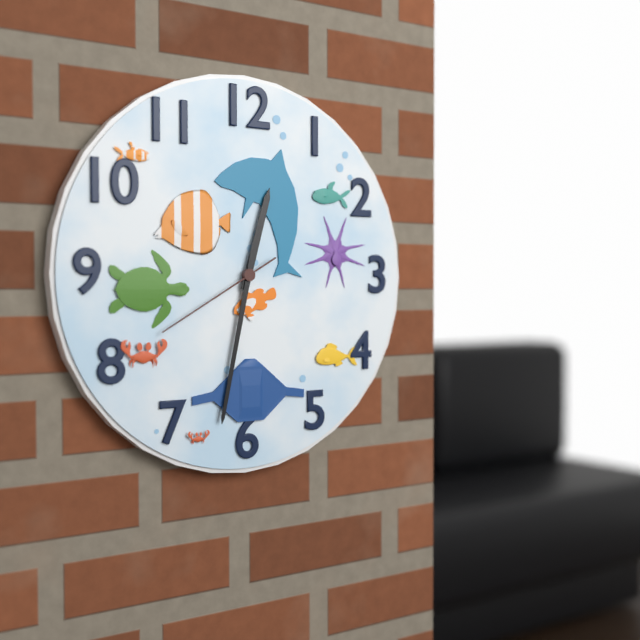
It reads 12.32.40
